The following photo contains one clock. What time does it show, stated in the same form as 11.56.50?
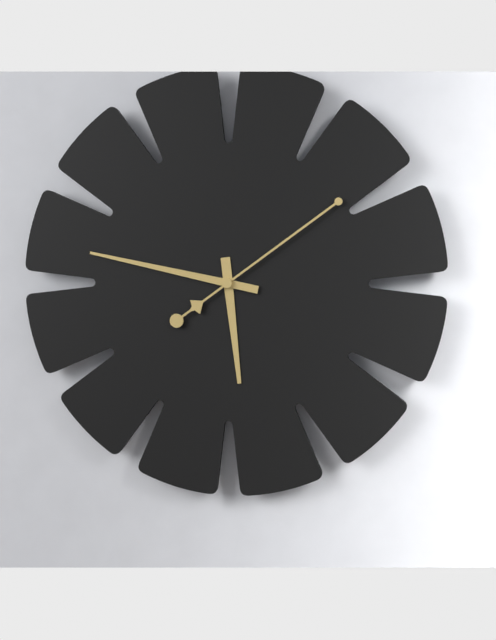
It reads 5.47.09
